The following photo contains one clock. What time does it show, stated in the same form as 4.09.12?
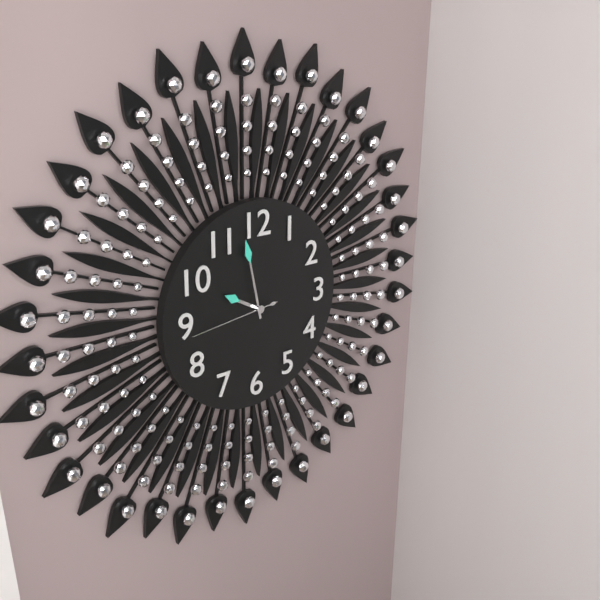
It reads 9.58.44
